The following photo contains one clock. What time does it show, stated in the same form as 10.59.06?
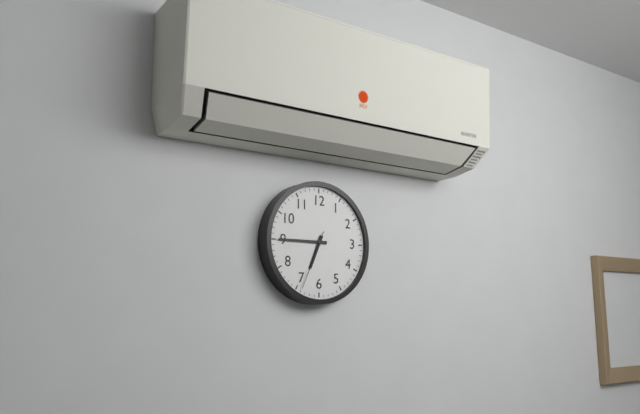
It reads 6.45.34
